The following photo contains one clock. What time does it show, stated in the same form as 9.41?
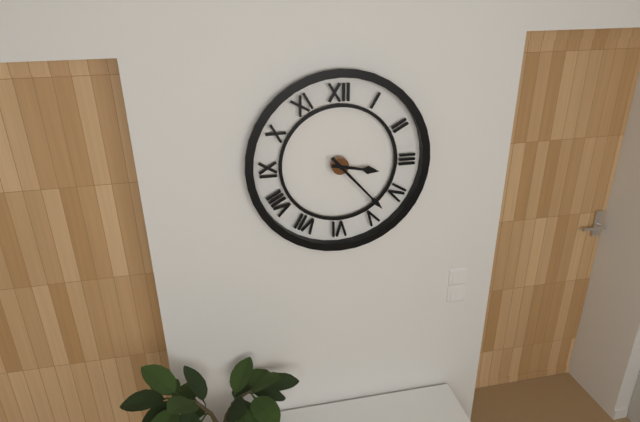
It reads 3.23
